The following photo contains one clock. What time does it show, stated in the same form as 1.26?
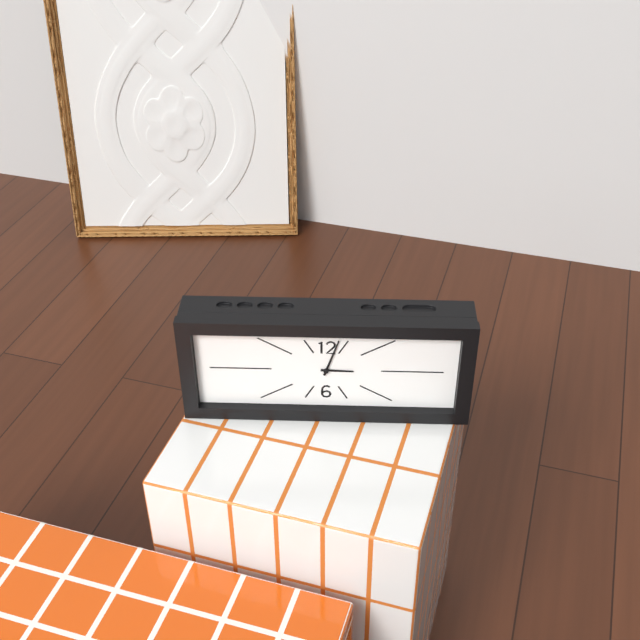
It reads 3.03
